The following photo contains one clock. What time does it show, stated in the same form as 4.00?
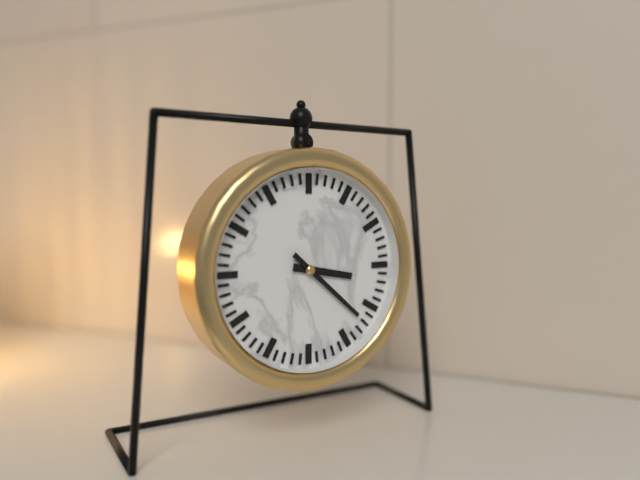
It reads 3.22
